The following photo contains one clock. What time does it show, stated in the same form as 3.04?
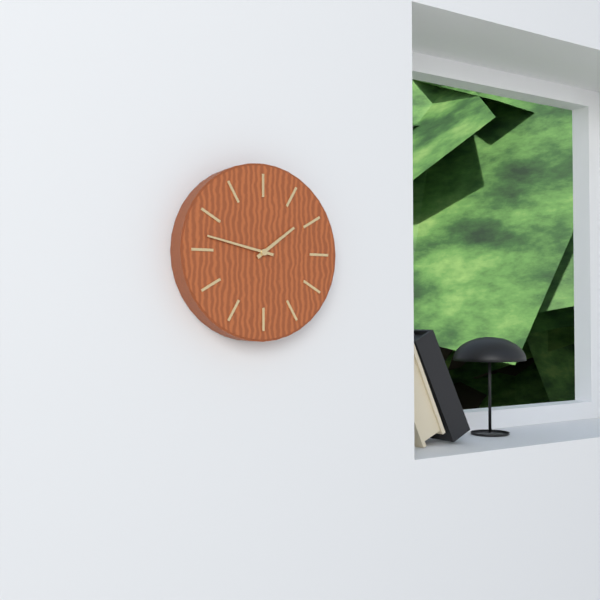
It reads 1.47
